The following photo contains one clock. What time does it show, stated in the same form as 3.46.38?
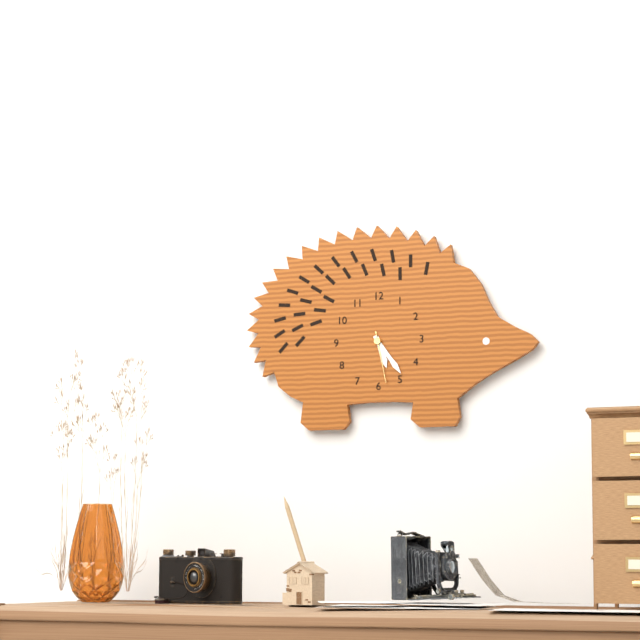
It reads 5.24.28
